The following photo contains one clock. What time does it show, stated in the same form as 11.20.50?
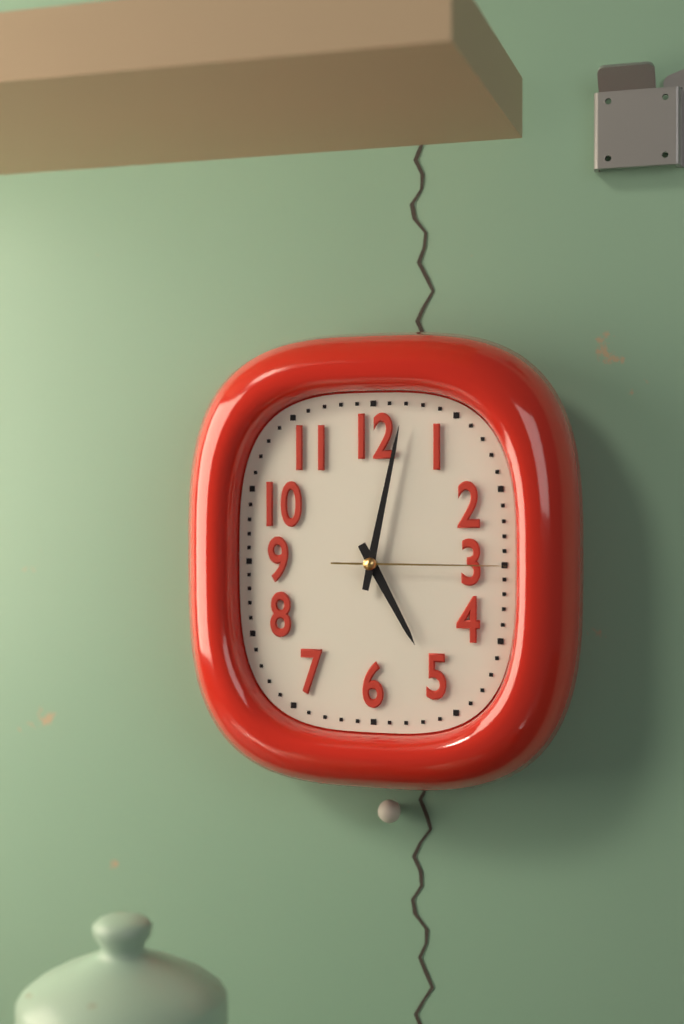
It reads 5.02.15
